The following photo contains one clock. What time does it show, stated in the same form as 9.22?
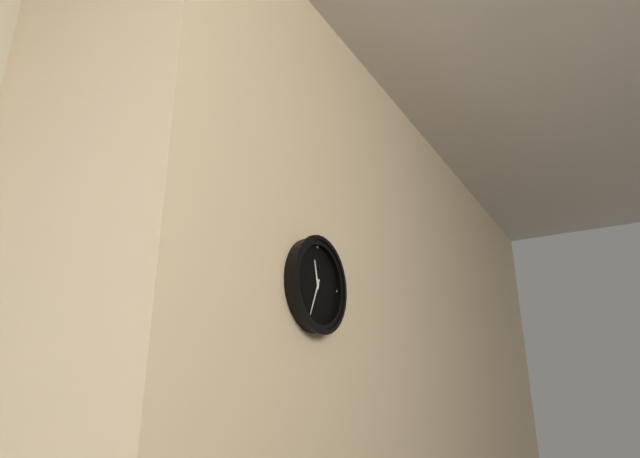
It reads 11.34
